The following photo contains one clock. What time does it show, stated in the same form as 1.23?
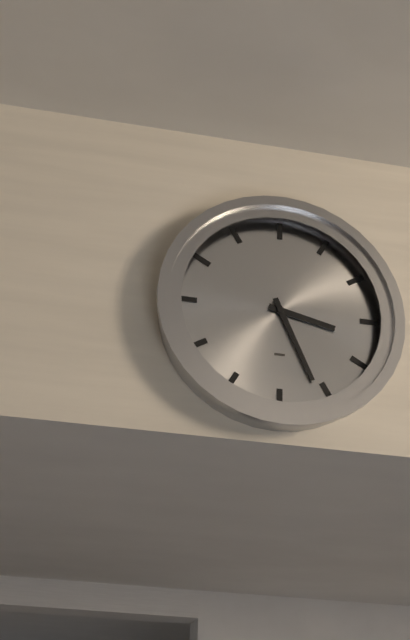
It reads 3.26
